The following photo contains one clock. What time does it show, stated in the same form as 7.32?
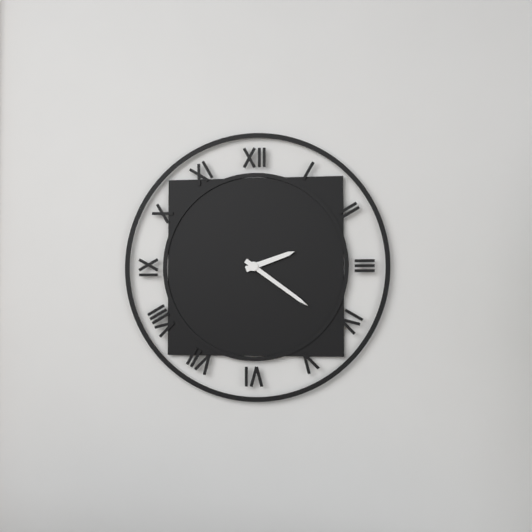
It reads 2.21
